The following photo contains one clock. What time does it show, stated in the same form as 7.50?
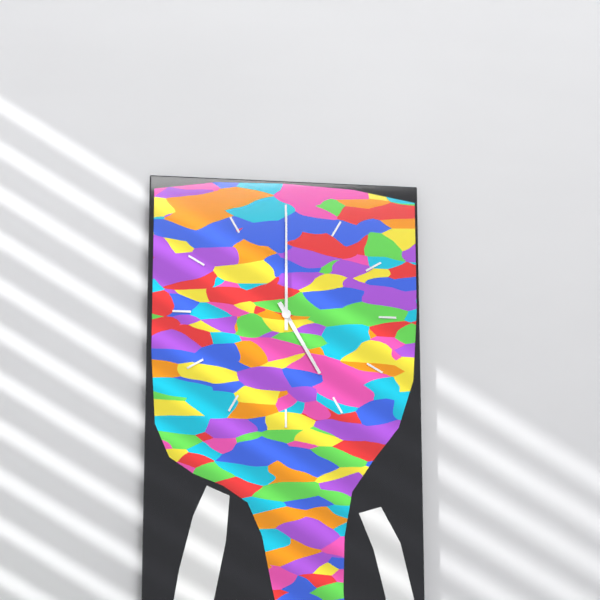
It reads 5.00
